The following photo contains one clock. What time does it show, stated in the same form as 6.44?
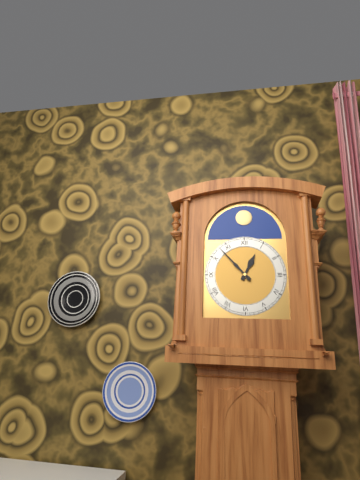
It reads 12.53
